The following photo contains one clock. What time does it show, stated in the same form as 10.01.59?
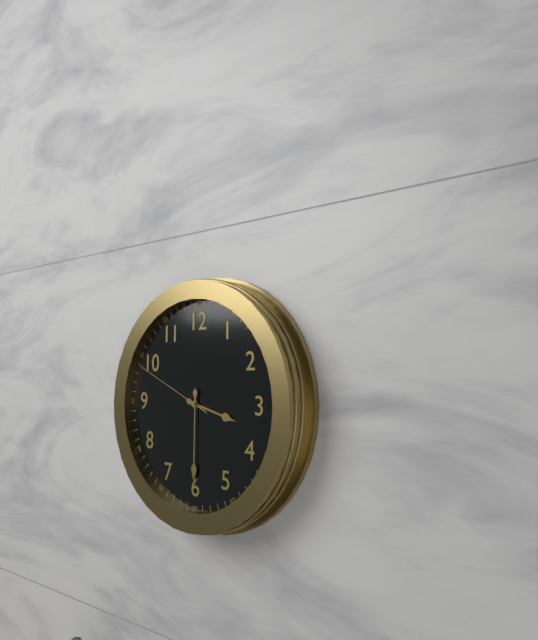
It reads 3.30.49
